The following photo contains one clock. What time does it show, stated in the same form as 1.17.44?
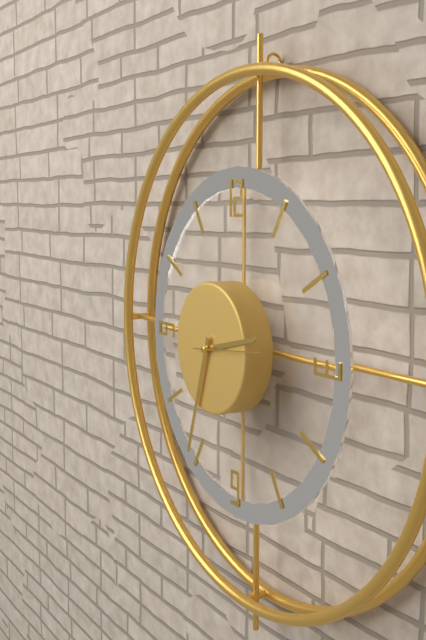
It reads 2.33.14
